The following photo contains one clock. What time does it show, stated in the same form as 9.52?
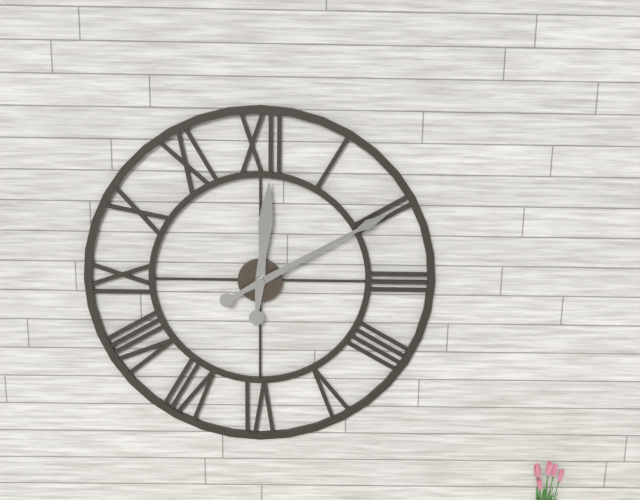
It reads 12.10
